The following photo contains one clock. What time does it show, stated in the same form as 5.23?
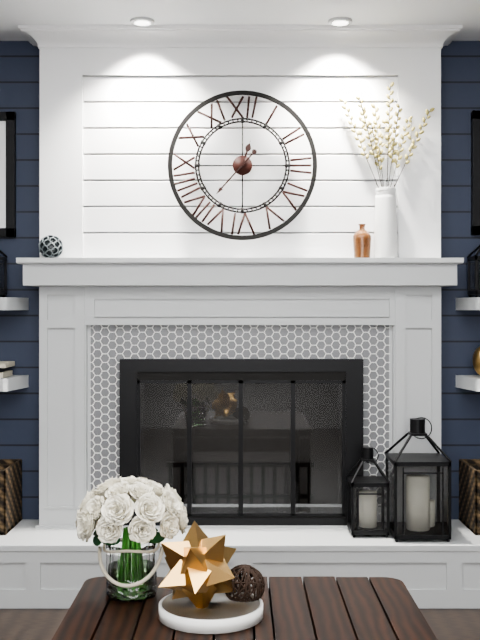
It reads 12.37
